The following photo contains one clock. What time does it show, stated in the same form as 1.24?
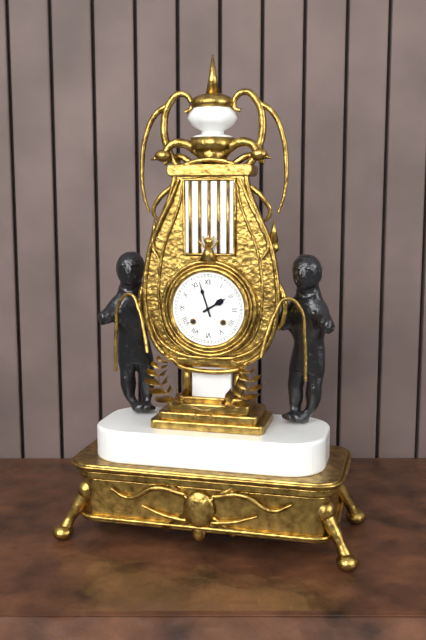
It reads 1.57
